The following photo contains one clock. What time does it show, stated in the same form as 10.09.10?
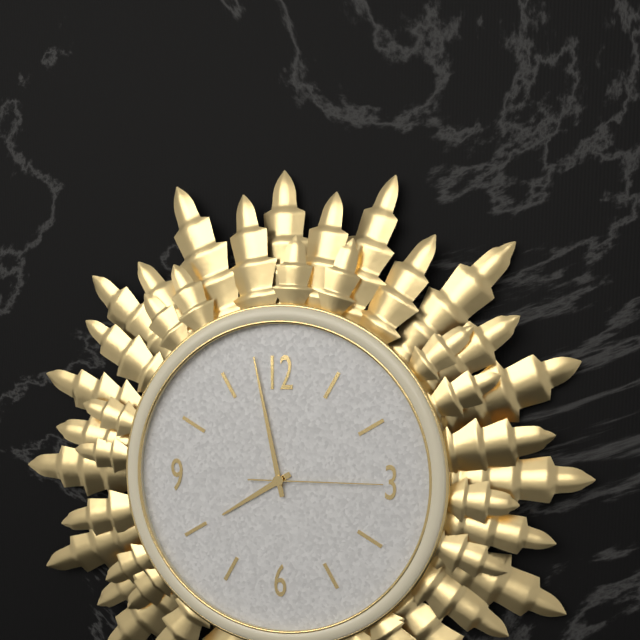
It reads 7.58.15
